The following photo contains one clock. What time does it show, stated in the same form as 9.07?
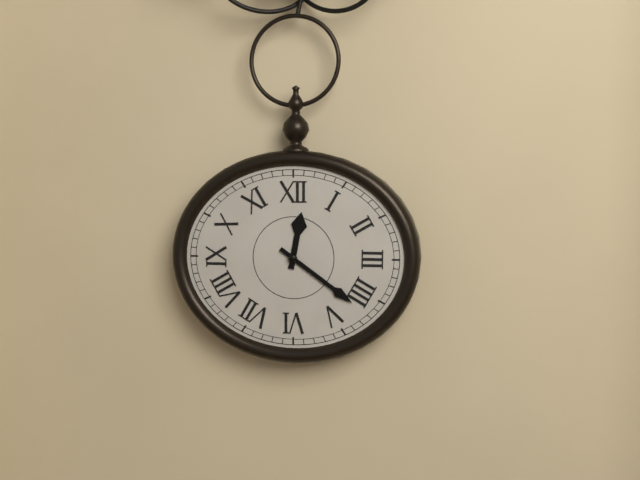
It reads 12.21
